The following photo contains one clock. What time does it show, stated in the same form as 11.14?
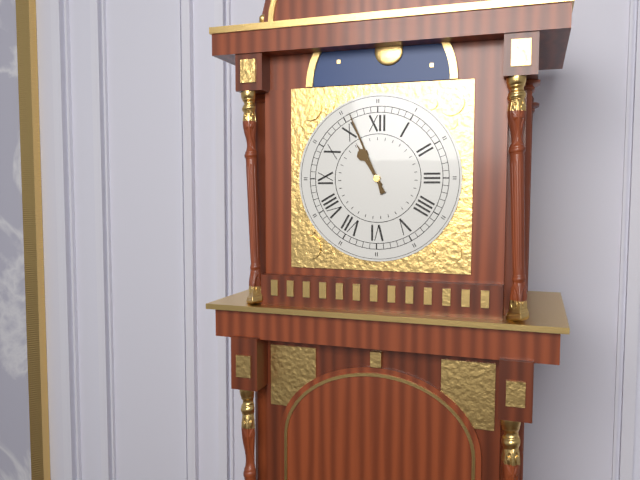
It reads 10.56
